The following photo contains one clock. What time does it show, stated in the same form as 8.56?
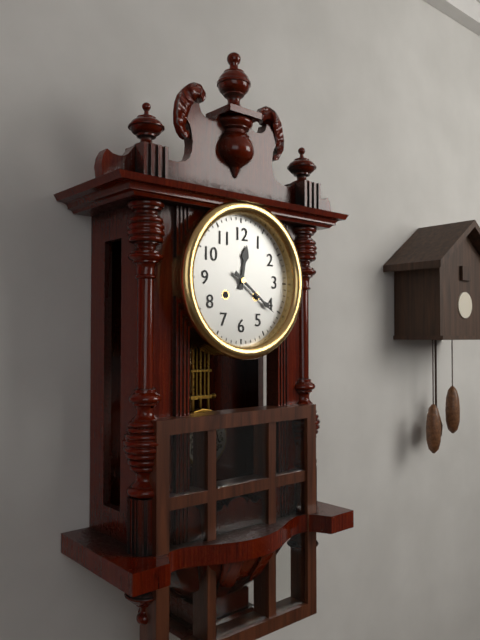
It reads 12.21
